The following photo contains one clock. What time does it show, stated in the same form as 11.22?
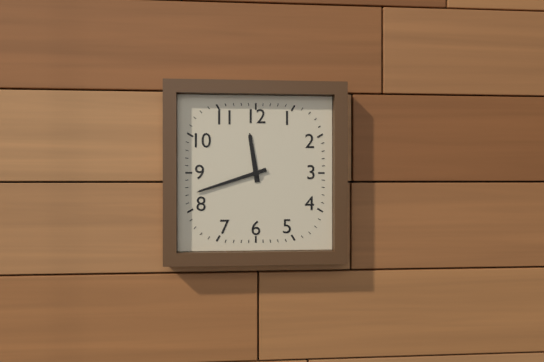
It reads 11.42
